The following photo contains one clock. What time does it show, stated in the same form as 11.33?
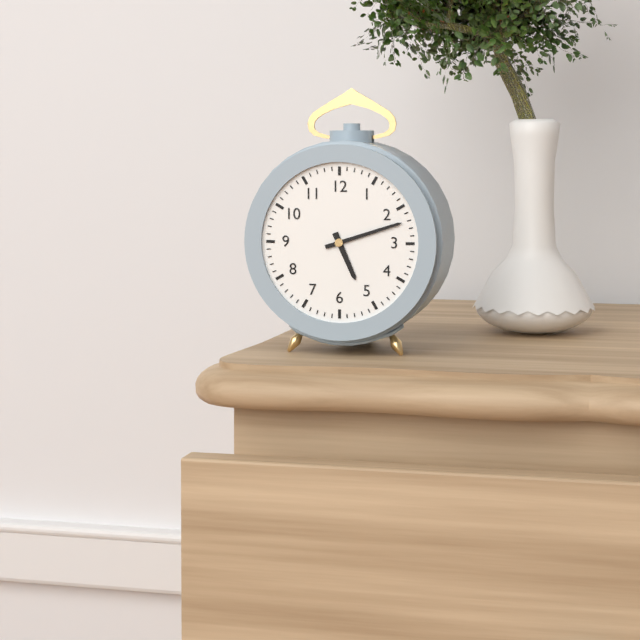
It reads 5.12
